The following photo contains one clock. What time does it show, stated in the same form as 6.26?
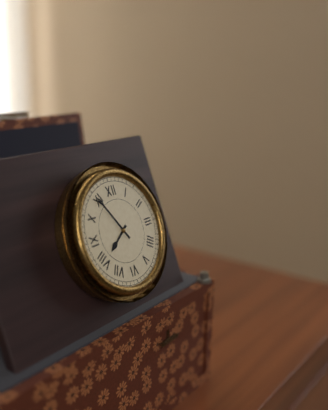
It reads 7.55
